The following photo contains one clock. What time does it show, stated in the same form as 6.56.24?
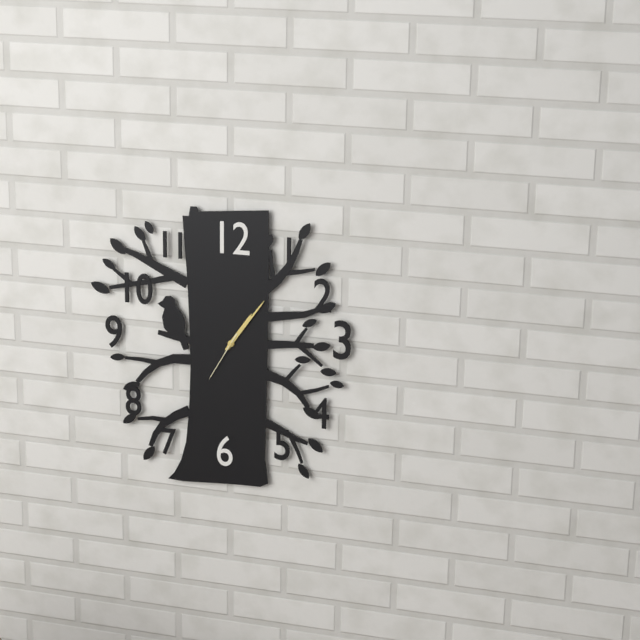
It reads 1.06.35
